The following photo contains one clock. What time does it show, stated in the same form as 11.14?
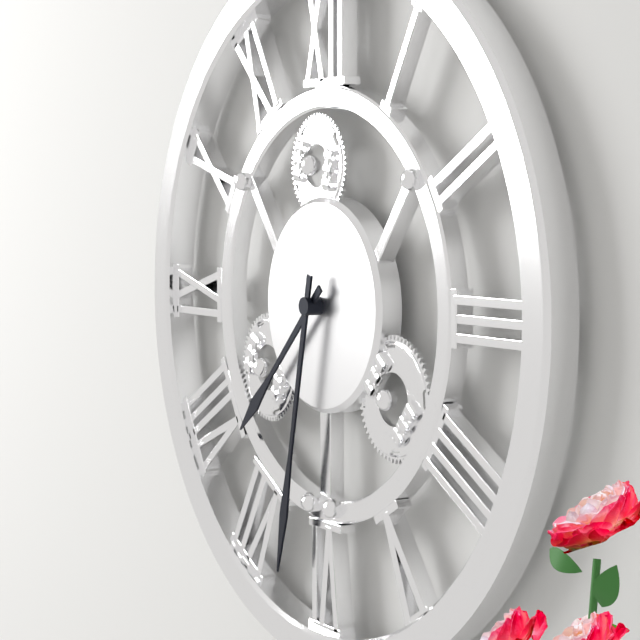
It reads 7.32
